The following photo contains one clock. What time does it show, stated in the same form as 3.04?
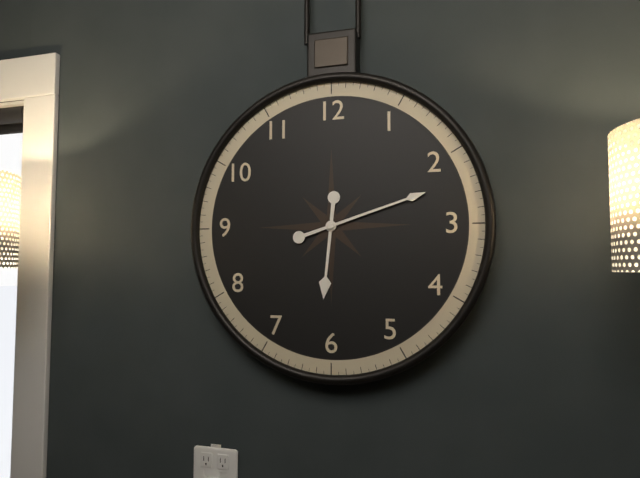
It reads 6.12
